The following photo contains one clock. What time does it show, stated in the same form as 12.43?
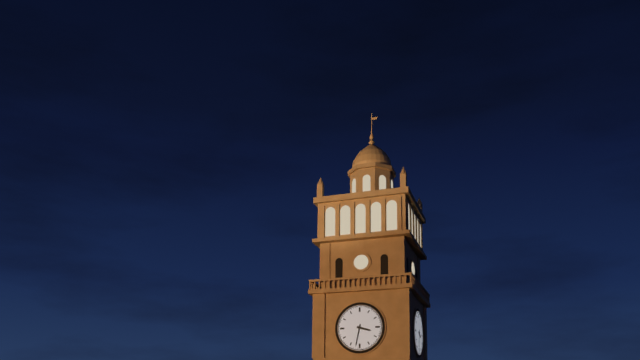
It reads 3.32
